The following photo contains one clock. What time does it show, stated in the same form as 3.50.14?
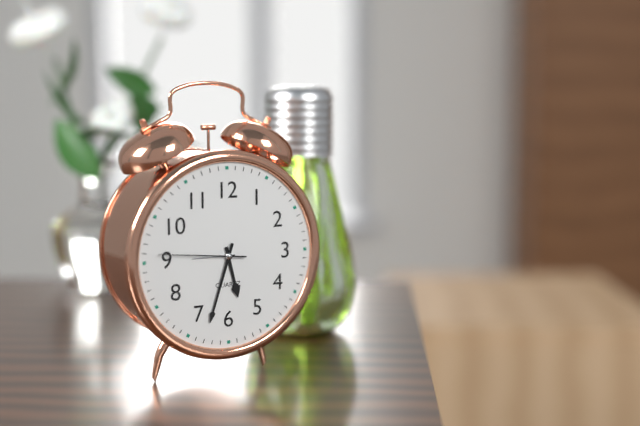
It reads 5.33.46
